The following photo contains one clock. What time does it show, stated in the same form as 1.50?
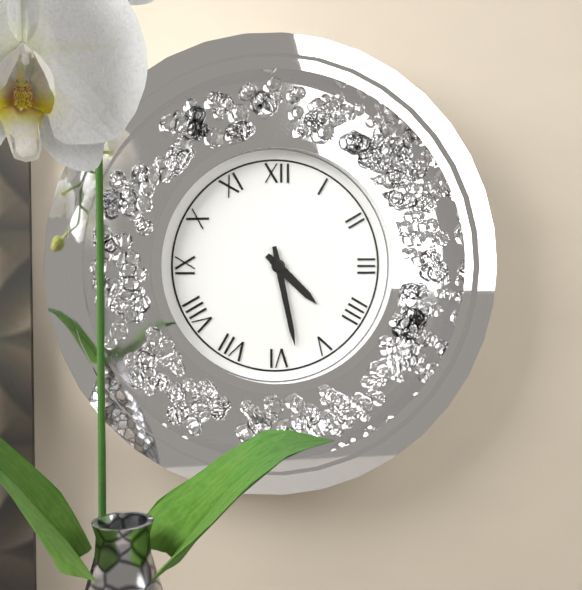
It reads 4.28
